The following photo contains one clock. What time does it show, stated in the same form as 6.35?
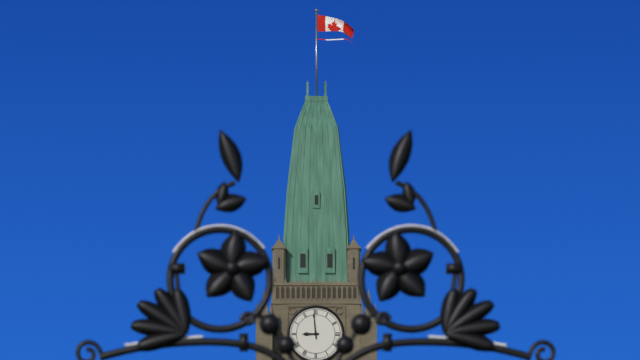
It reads 8.59
